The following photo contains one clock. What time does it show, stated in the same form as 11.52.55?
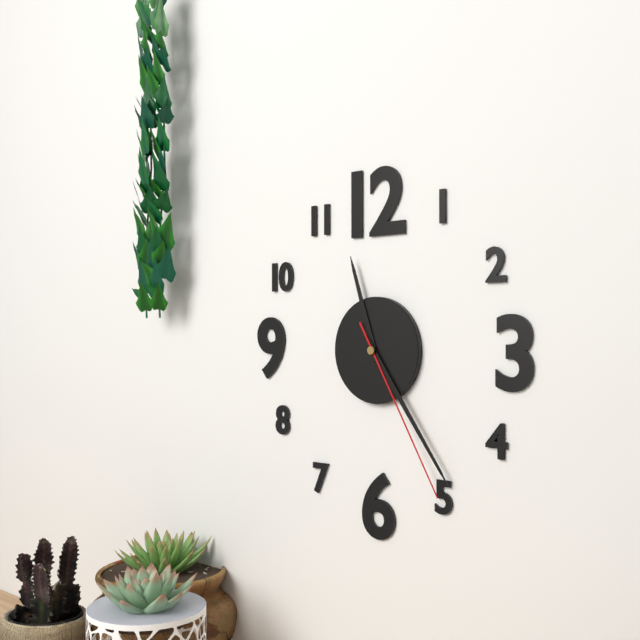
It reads 11.24.25
